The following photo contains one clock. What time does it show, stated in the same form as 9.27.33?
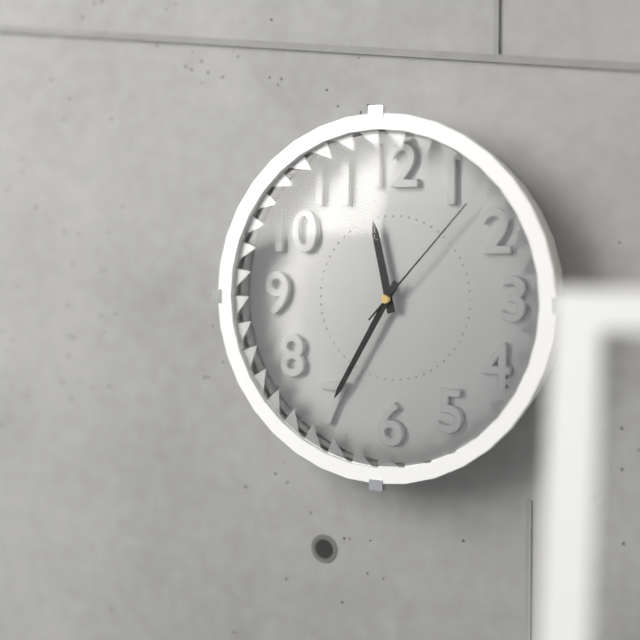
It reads 11.35.07
